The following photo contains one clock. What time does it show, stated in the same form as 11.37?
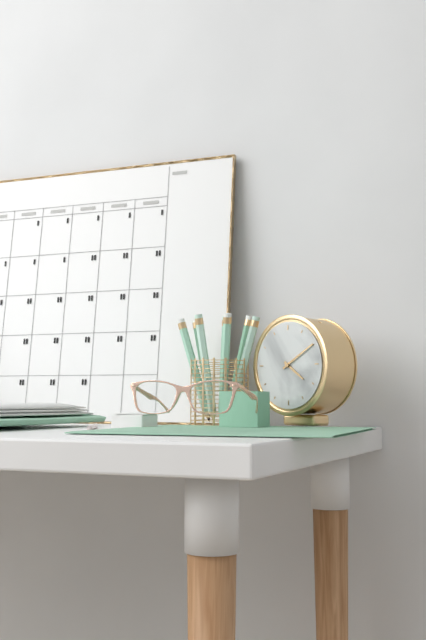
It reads 4.10
